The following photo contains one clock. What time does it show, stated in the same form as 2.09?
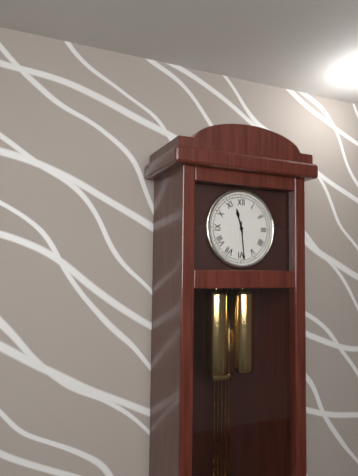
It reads 11.29
